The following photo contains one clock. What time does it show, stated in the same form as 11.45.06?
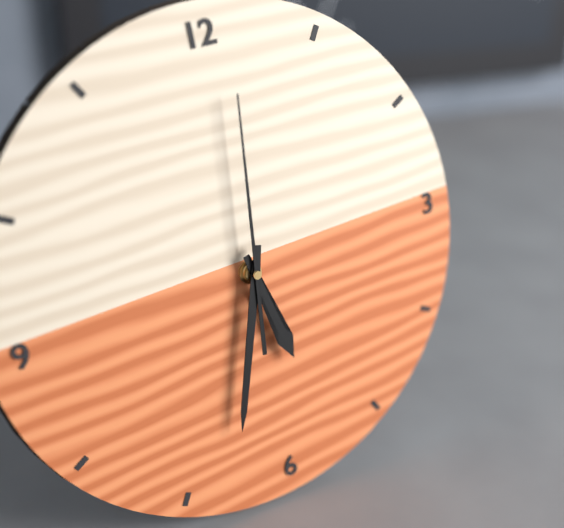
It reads 5.33.01
